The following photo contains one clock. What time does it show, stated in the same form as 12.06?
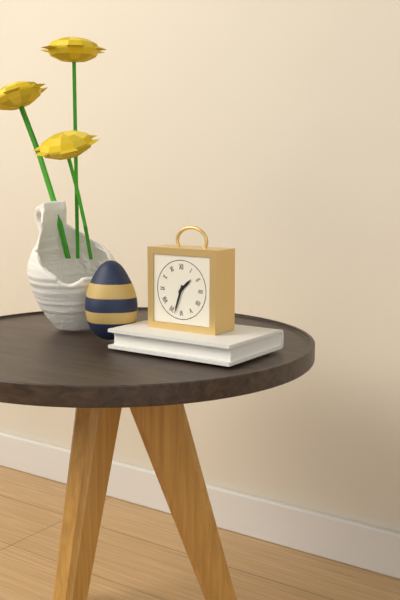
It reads 1.33
